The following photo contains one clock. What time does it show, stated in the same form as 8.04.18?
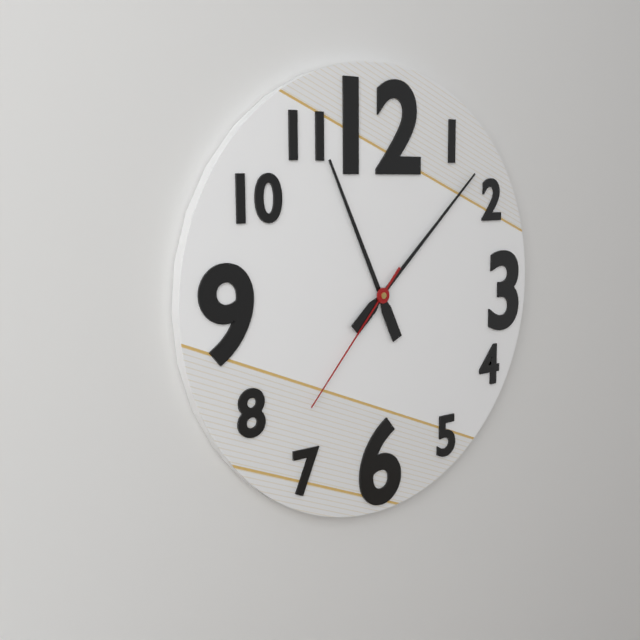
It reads 11.08.37
